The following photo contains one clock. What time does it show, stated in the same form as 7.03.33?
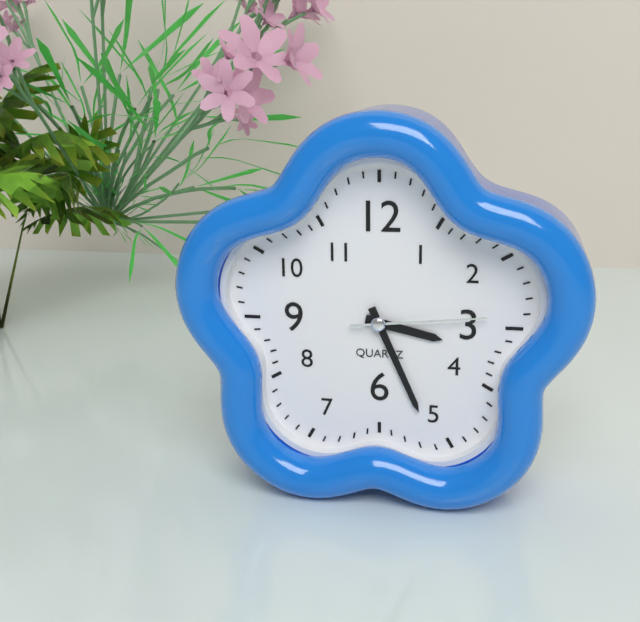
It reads 3.26.14
